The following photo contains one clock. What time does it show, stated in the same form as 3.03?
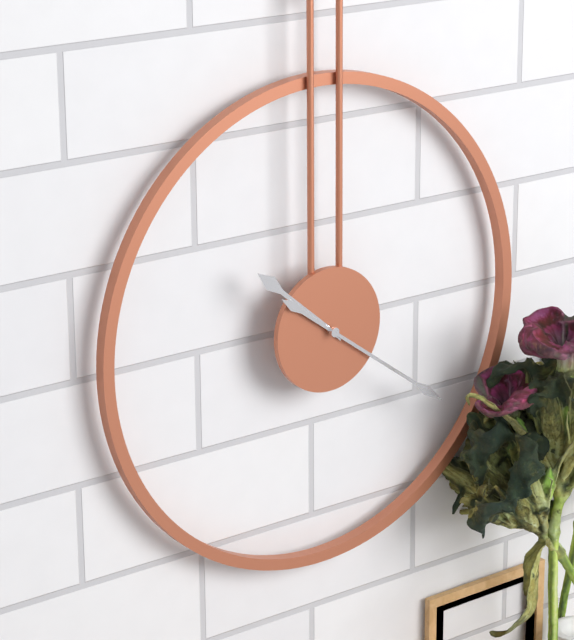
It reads 10.21
